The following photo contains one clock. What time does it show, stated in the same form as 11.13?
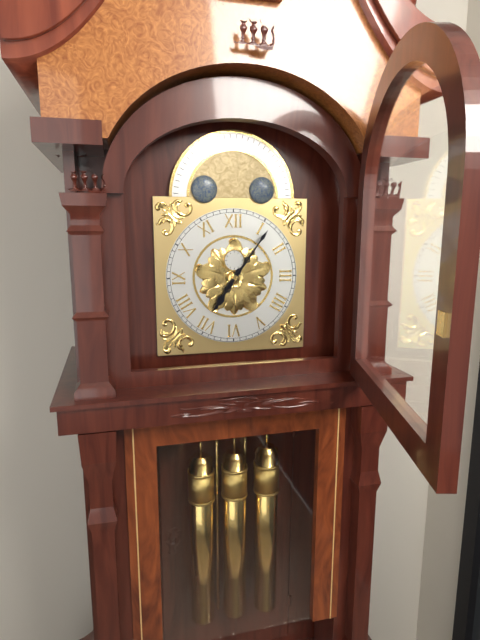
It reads 7.06
